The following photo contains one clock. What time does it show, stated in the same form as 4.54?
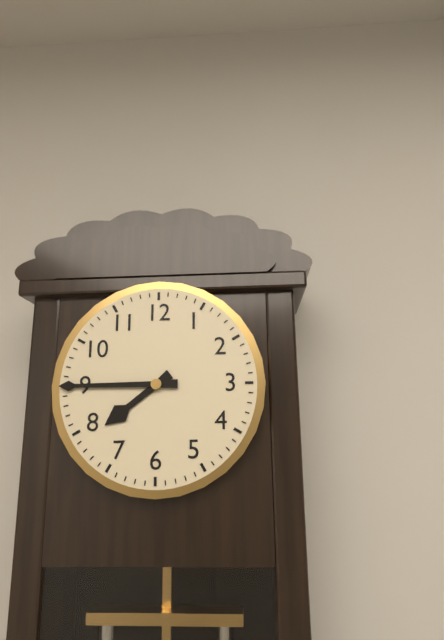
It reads 7.45
